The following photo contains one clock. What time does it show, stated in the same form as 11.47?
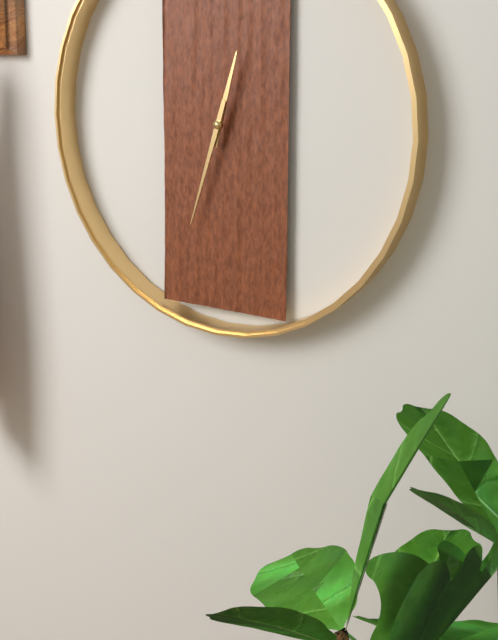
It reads 12.33
